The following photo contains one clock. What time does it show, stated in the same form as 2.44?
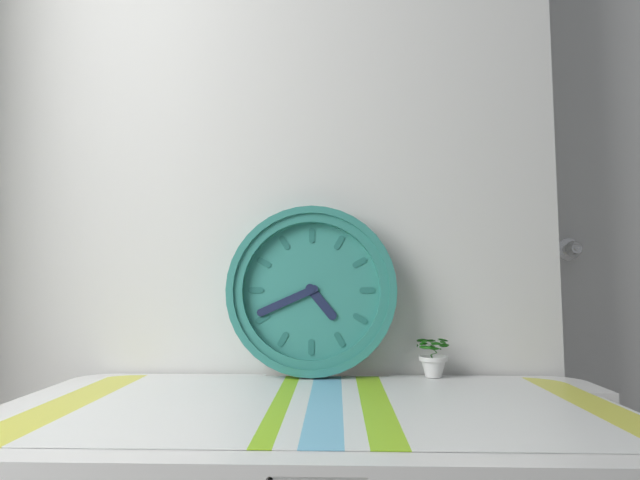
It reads 4.41
